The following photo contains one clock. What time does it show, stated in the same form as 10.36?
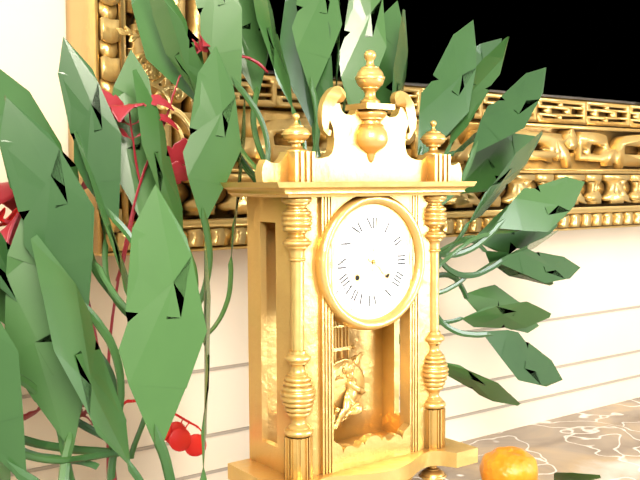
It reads 4.01
